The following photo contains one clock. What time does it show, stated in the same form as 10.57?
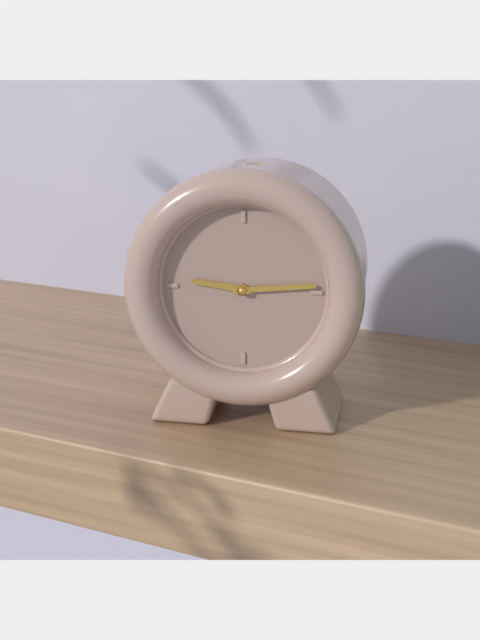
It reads 9.14
